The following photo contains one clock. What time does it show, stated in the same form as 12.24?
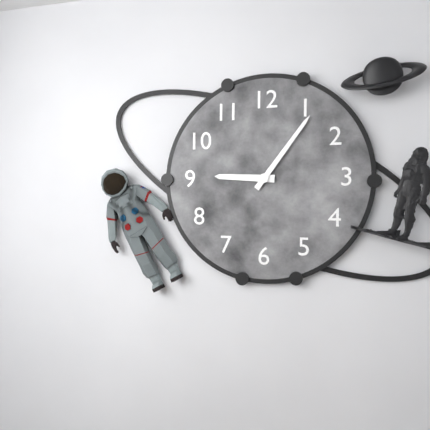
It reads 9.06
